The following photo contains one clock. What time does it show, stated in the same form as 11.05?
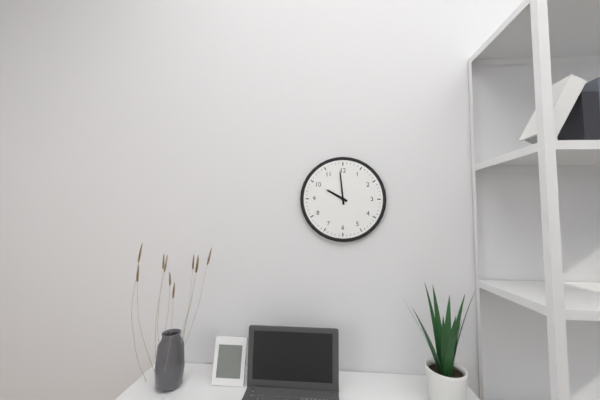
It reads 9.59
